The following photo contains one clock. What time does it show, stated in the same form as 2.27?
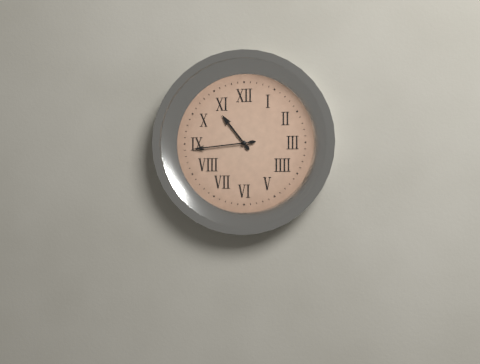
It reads 10.44
